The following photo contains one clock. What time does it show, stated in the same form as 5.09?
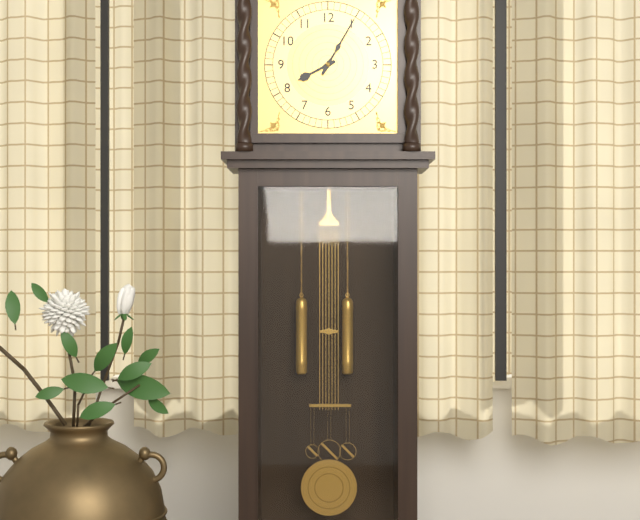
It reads 8.05
